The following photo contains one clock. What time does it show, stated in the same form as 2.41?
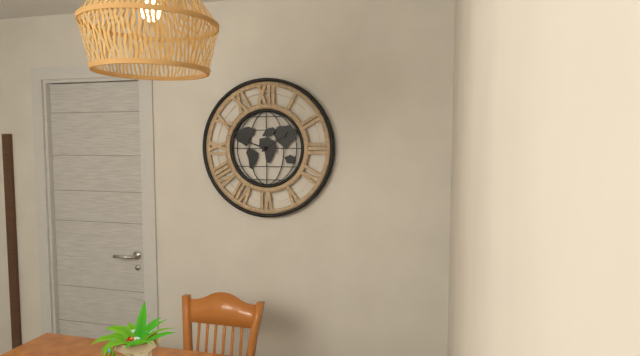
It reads 1.48
